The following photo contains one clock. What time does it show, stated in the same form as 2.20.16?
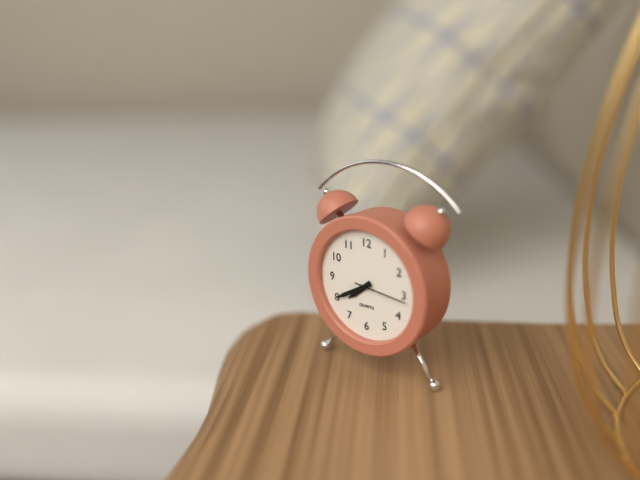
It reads 7.40.16
